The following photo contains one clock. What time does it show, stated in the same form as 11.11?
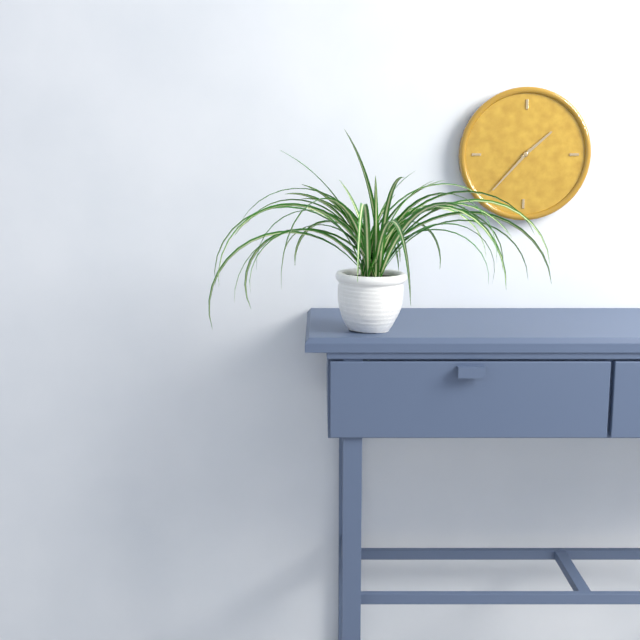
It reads 1.37
